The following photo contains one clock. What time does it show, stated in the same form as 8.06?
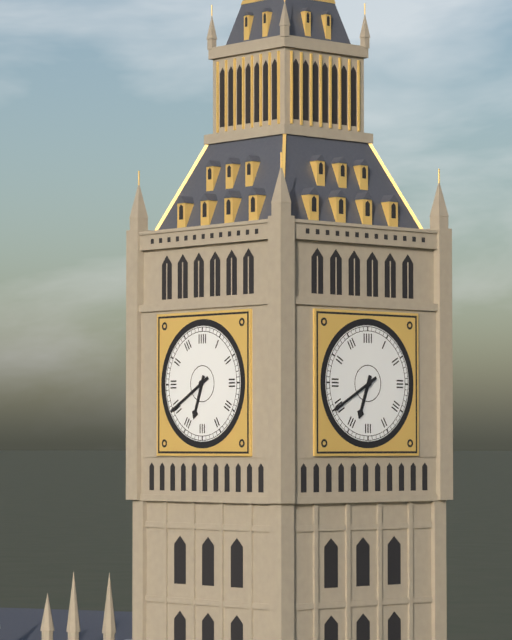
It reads 6.40
